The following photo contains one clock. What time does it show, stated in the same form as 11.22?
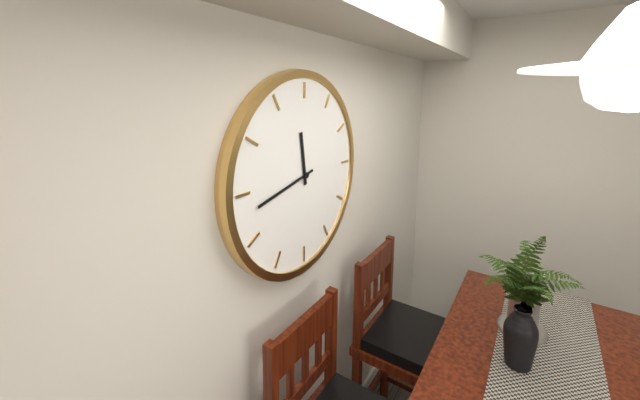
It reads 11.43
